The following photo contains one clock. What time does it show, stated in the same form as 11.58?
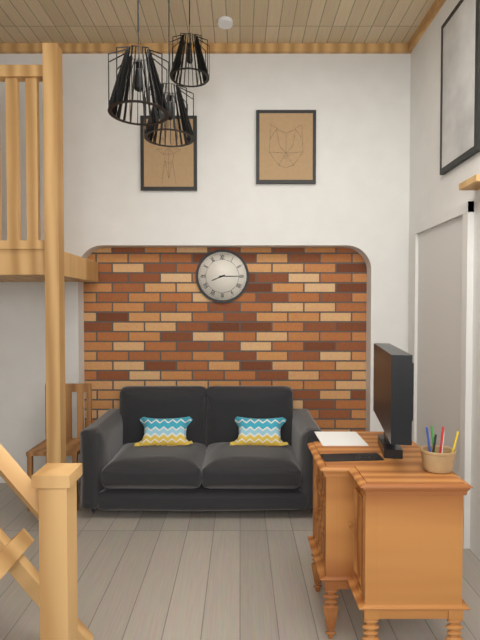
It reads 8.15
